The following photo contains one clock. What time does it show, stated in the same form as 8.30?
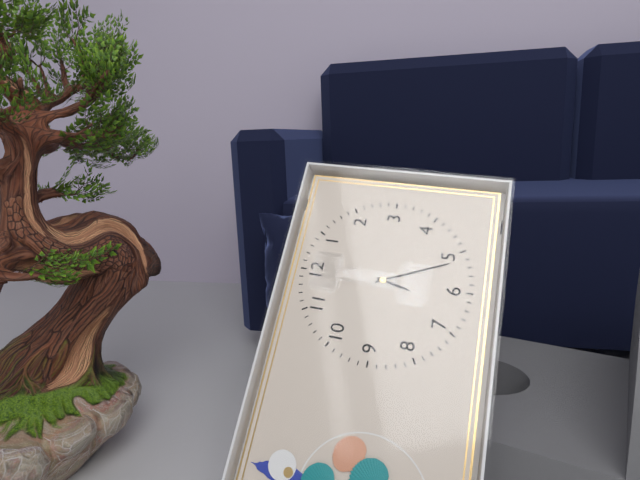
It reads 6.26
